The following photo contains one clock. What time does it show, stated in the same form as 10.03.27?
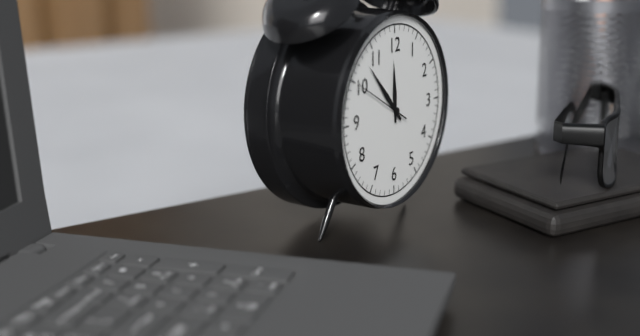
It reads 11.53.50
